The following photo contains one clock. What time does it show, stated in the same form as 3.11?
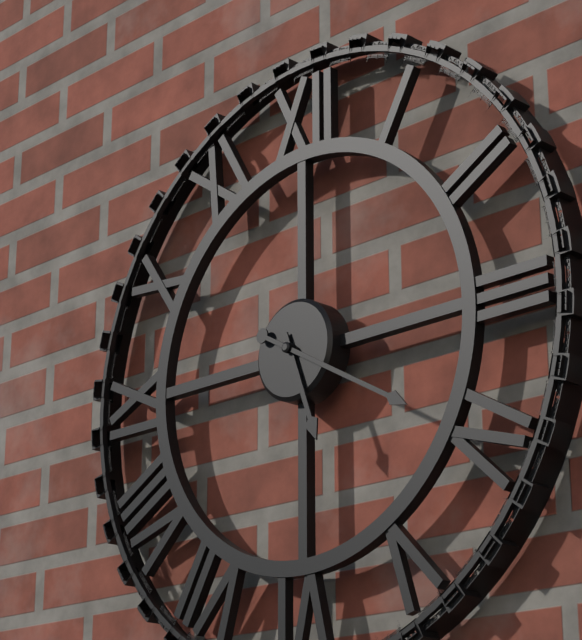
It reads 5.20
